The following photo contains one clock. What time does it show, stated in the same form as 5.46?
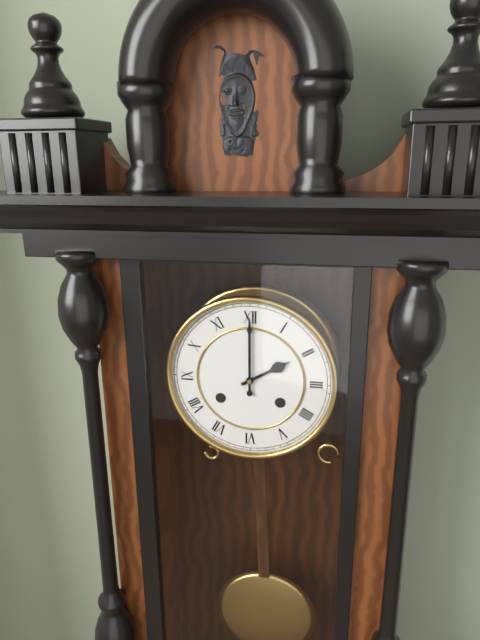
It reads 2.00
